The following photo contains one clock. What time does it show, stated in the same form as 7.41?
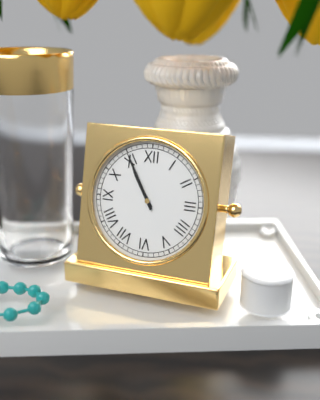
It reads 10.55
